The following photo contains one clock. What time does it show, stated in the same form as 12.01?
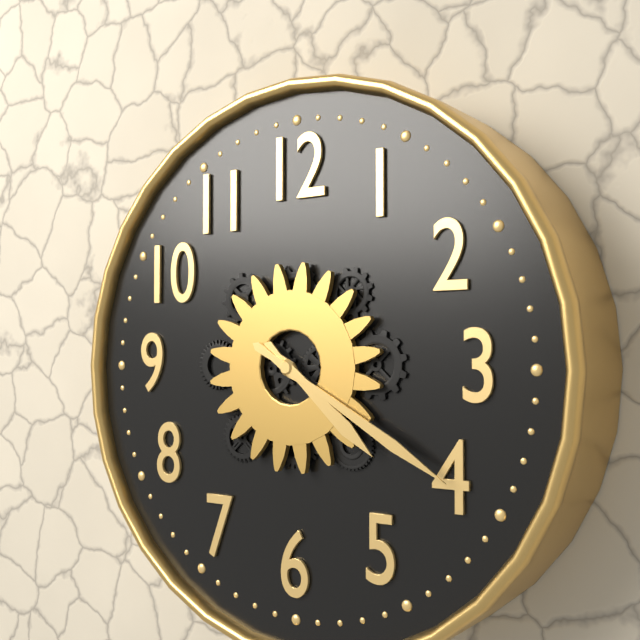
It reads 4.20
